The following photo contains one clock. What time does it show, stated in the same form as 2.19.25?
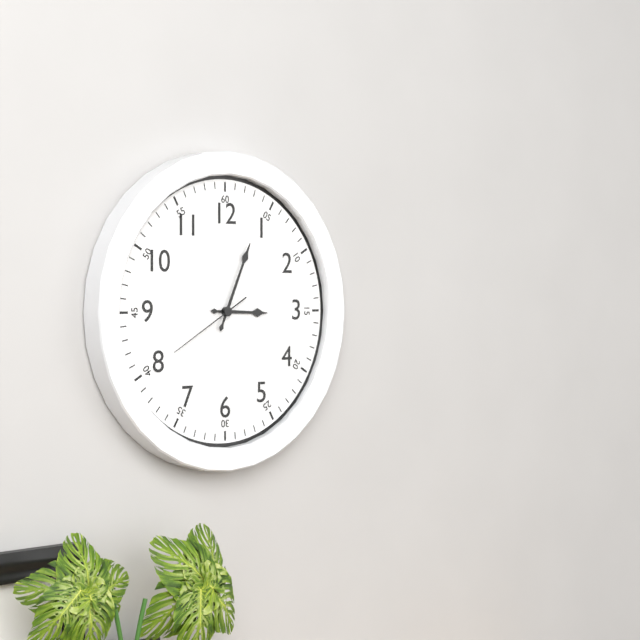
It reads 3.04.40
